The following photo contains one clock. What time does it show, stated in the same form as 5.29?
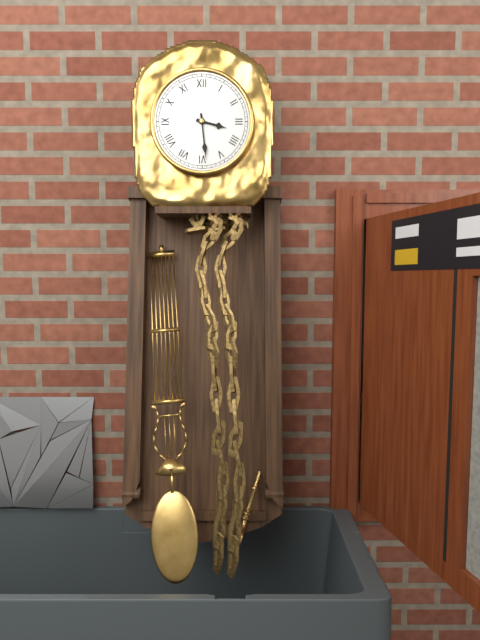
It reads 3.29
